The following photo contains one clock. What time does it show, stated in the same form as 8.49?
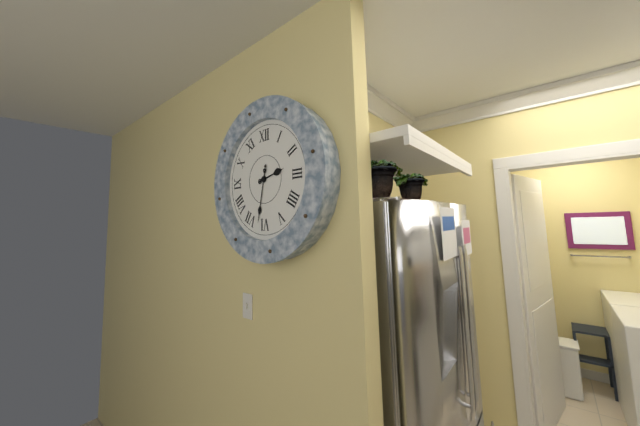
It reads 2.32
